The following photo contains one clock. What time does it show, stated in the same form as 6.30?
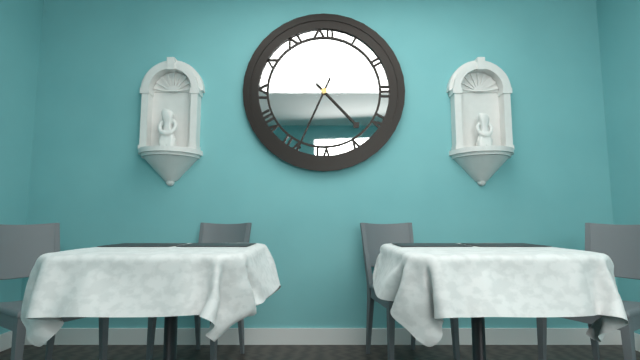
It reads 4.34
